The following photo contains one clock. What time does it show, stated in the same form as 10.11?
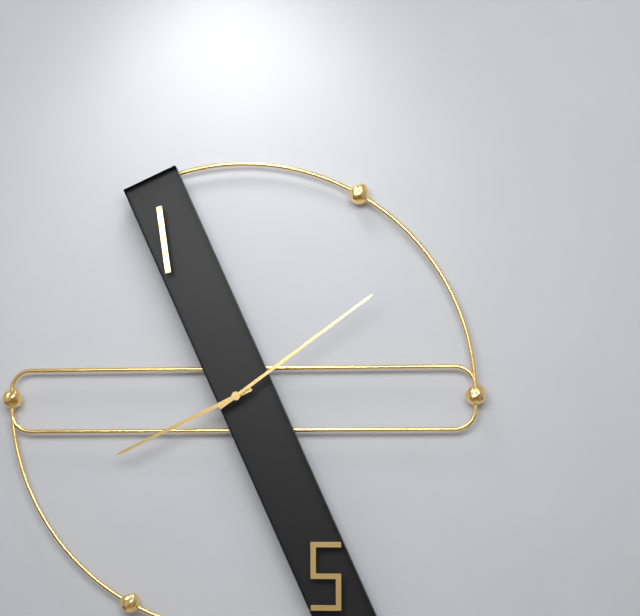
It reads 8.09
